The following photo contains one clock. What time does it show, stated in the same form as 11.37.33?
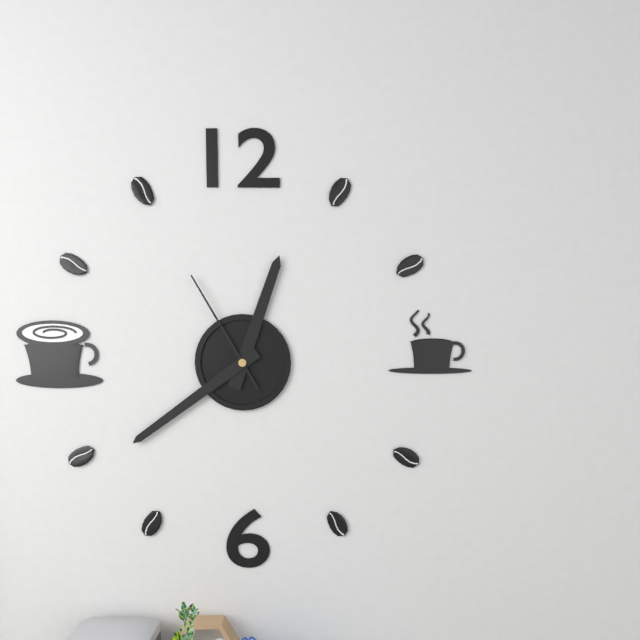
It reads 12.39.55
